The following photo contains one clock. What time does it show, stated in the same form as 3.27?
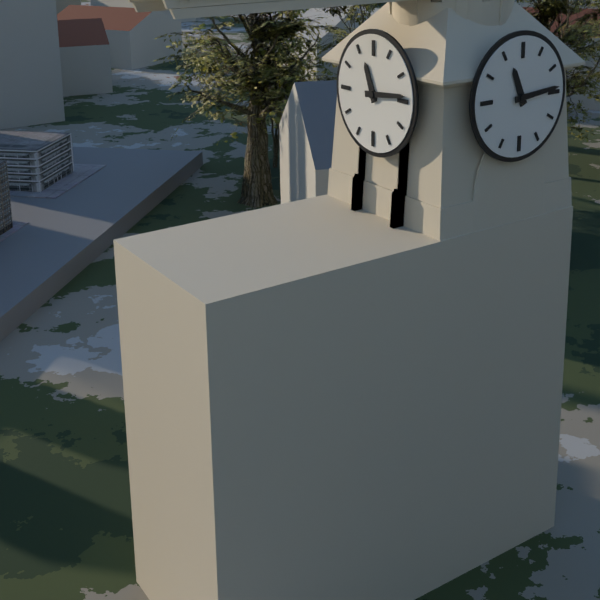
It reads 11.14
